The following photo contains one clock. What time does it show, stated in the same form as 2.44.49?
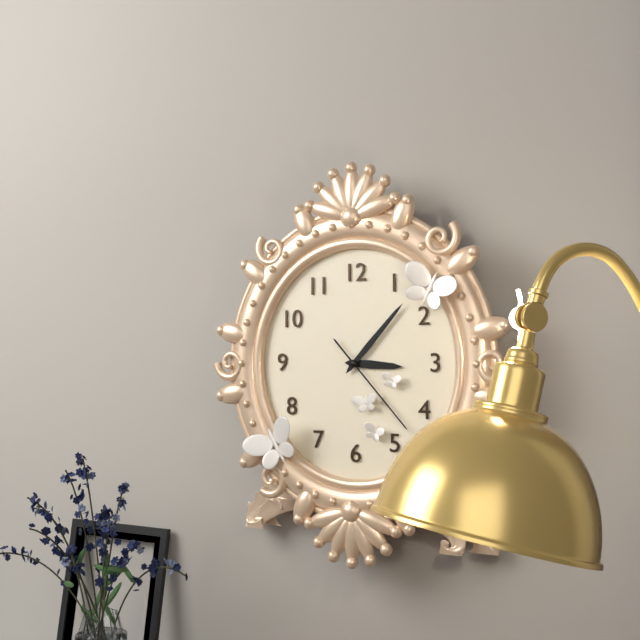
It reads 3.07.23
